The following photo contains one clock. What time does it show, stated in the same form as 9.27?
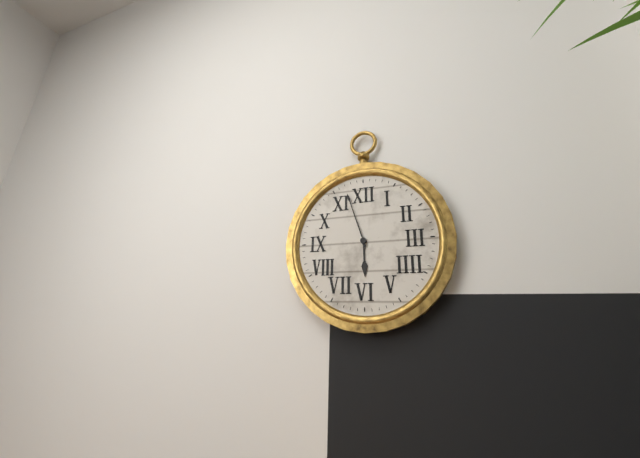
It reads 5.57
